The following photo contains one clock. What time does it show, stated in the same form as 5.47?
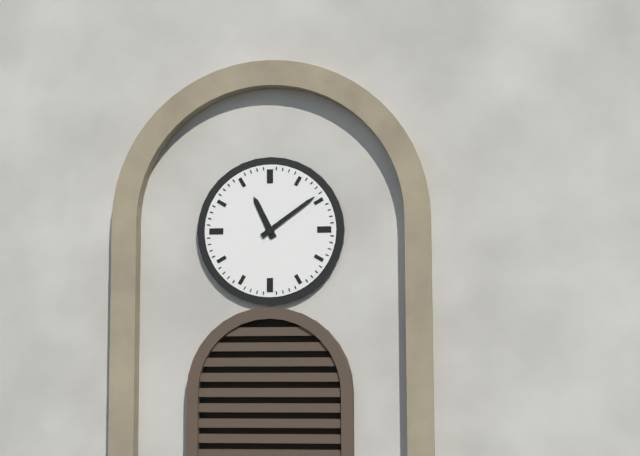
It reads 11.09
